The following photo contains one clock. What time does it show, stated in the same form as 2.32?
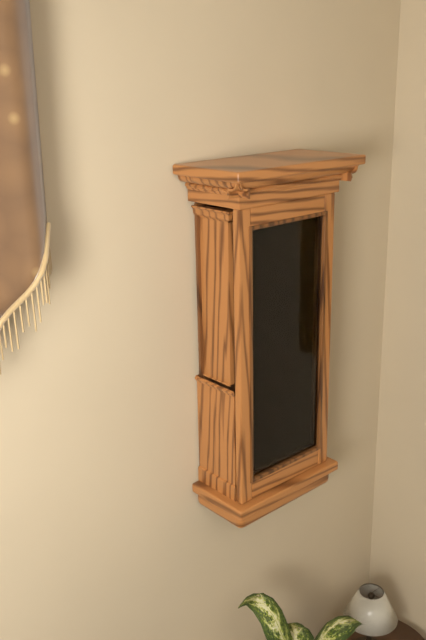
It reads 3.32
